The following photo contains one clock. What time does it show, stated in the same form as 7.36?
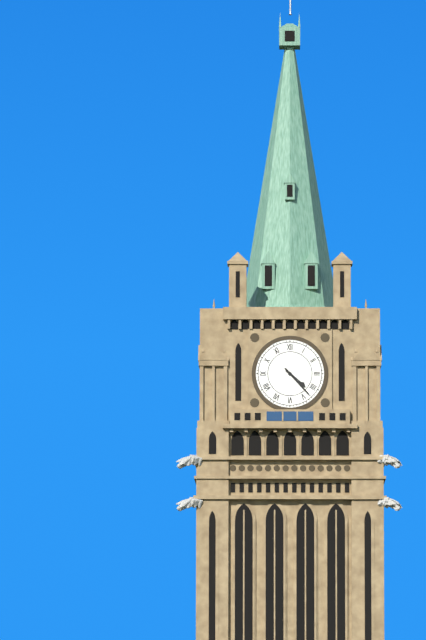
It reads 4.23
